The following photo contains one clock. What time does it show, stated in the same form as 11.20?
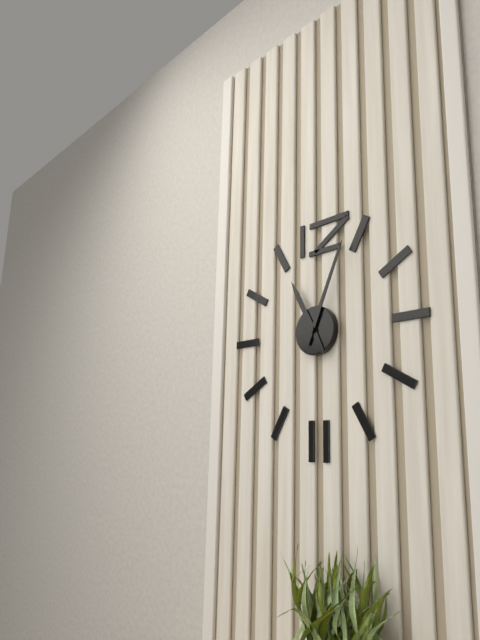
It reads 11.04
